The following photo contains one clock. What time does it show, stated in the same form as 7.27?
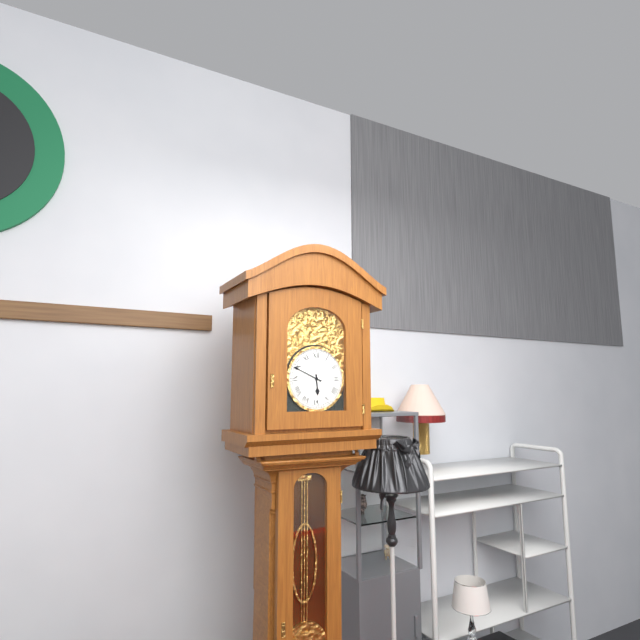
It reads 5.49
